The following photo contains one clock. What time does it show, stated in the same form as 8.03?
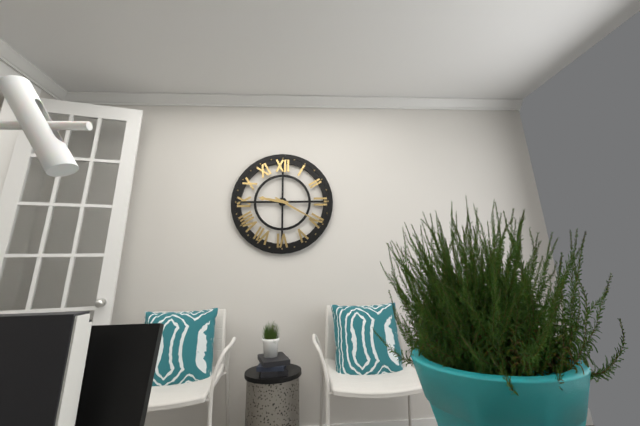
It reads 9.20
